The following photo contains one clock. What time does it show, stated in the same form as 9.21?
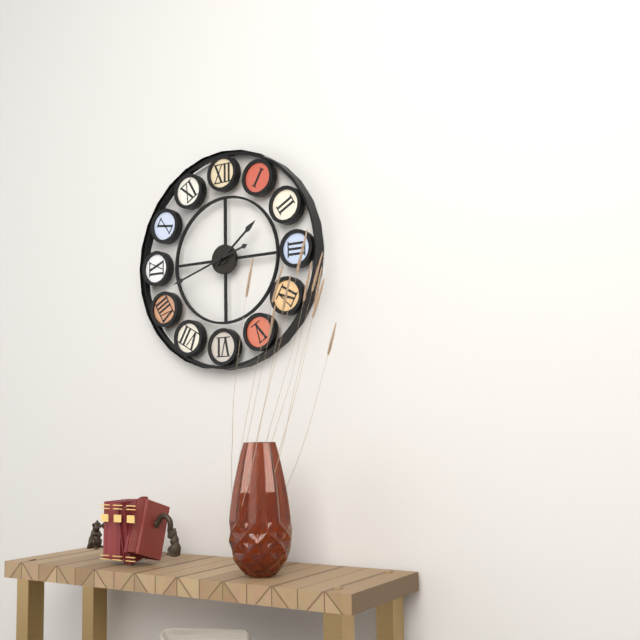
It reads 1.42
